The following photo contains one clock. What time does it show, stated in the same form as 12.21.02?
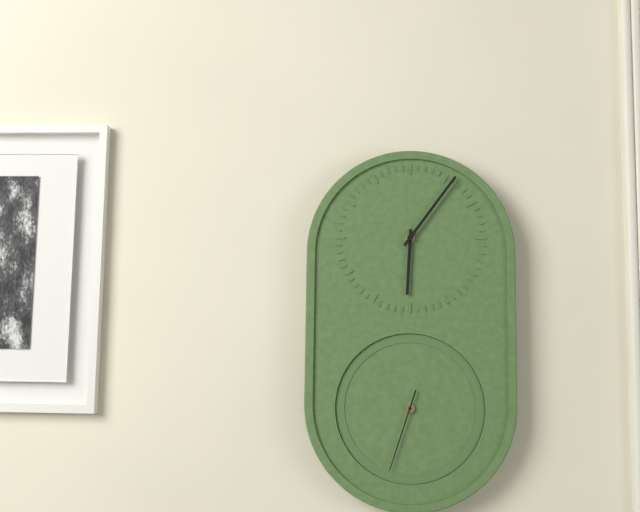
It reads 6.06.33
